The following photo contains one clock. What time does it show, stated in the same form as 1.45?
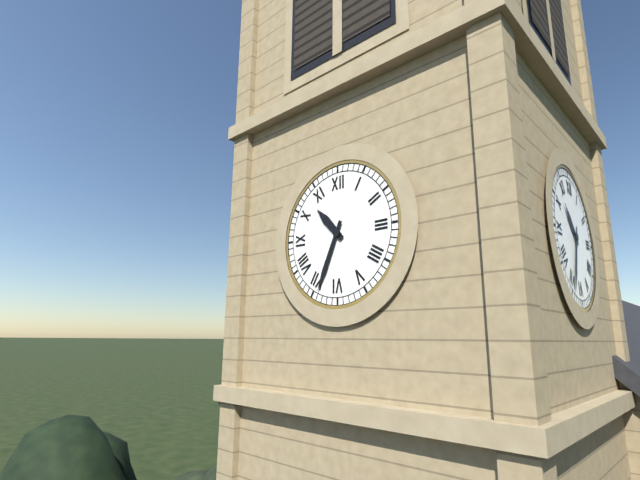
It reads 10.34
